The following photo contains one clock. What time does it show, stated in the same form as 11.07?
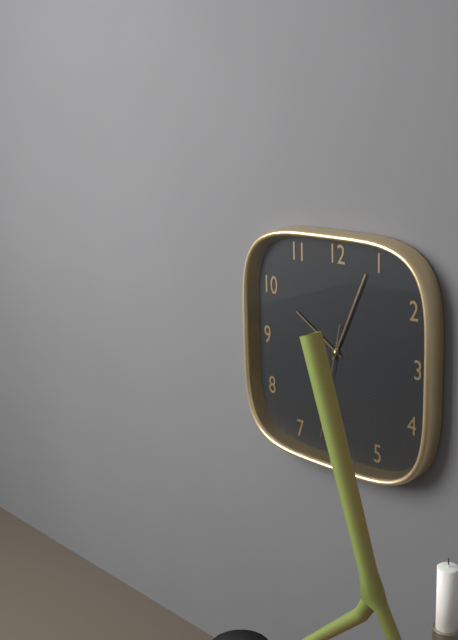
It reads 10.04
